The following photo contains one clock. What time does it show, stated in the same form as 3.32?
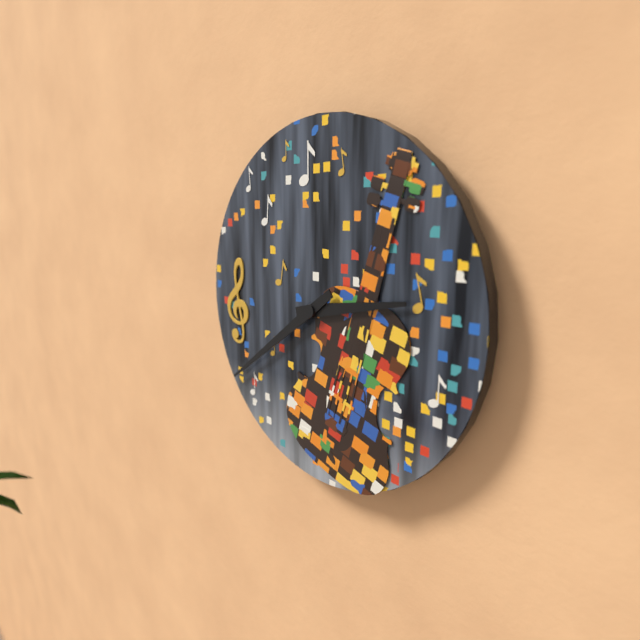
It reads 2.39
